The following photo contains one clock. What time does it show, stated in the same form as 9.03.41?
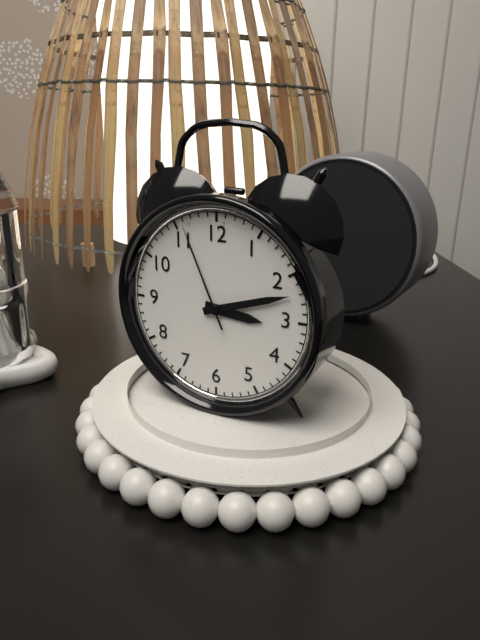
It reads 3.12.56
